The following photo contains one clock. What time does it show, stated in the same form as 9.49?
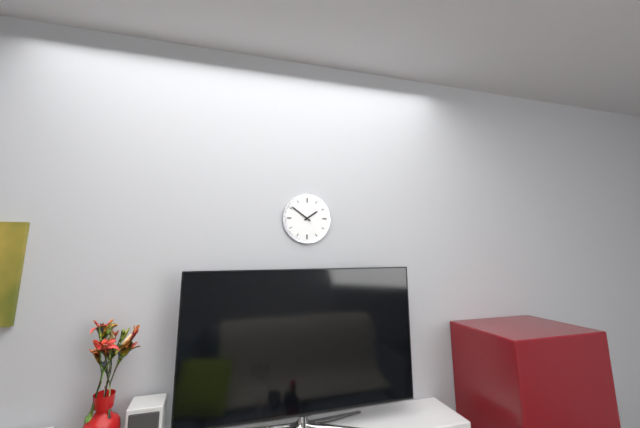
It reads 1.51
